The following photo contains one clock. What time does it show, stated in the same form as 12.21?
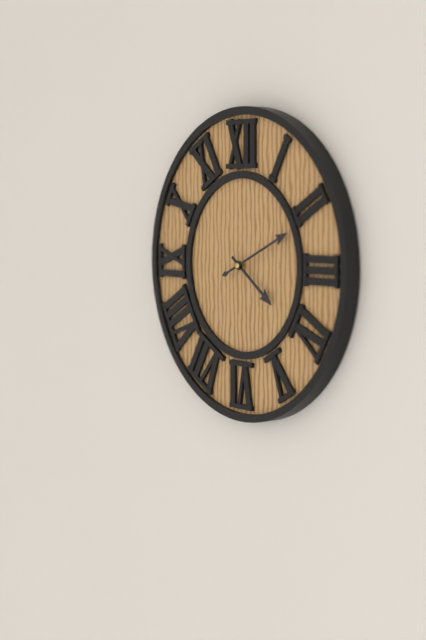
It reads 4.11
